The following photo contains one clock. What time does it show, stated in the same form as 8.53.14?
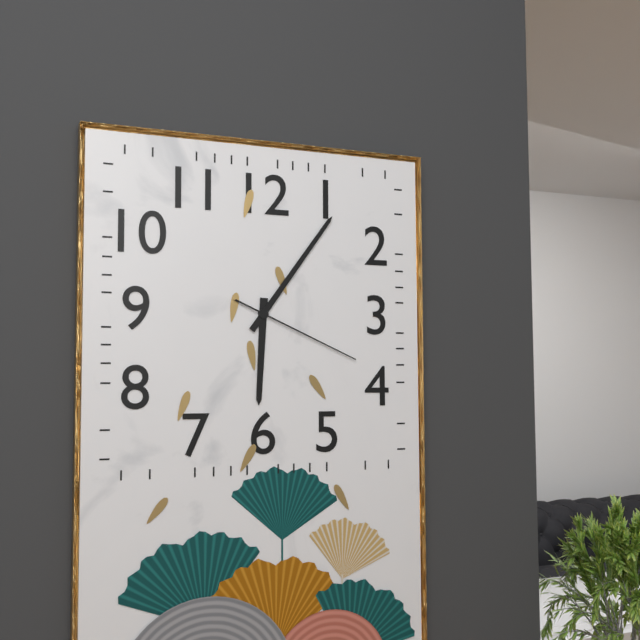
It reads 6.06.19
